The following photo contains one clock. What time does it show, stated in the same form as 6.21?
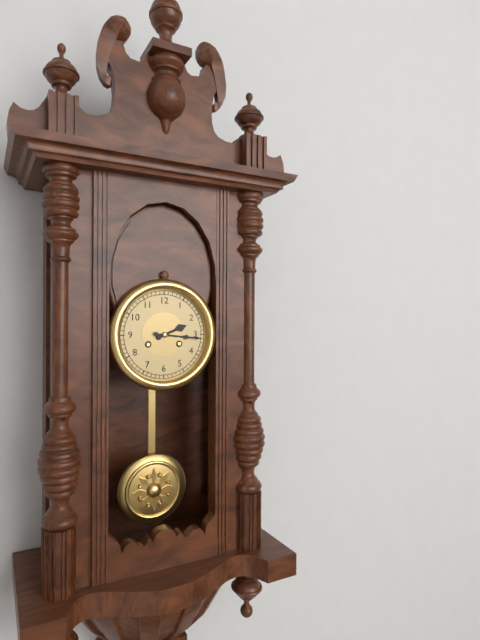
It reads 2.16
